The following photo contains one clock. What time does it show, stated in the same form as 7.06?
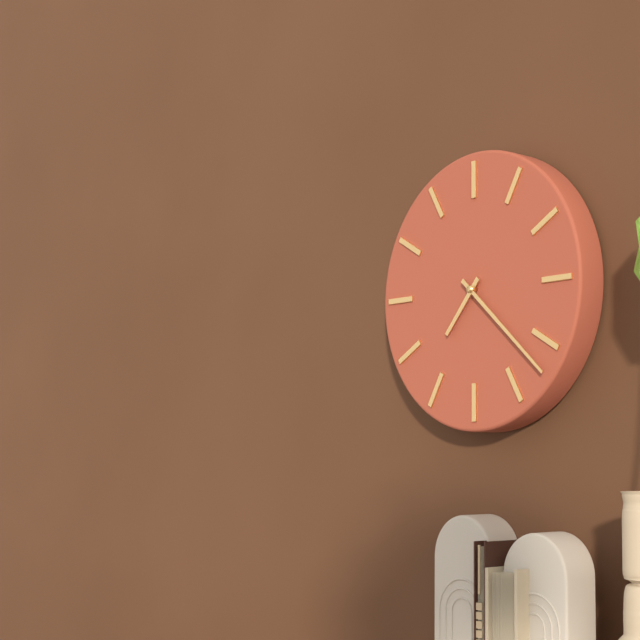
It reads 7.22
